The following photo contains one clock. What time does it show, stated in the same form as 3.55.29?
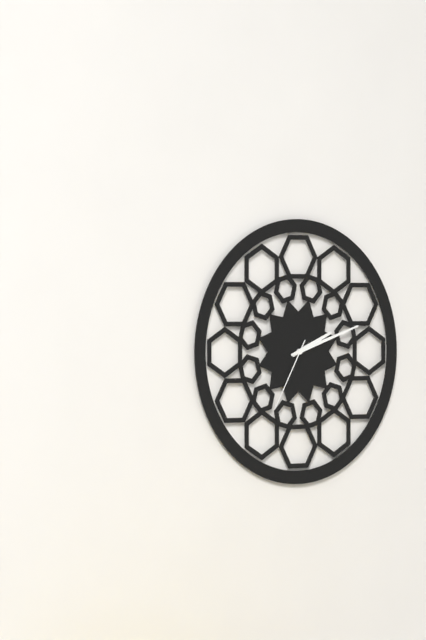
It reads 2.12.35
